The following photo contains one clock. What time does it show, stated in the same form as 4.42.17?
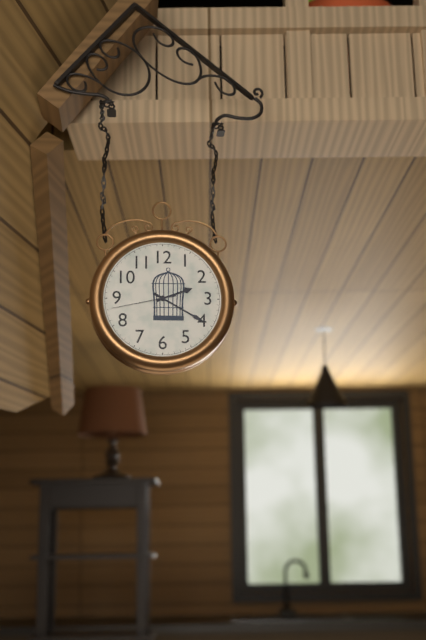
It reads 2.20.43
